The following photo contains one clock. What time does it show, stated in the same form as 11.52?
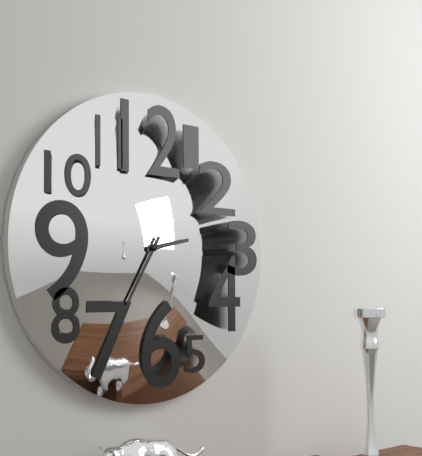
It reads 2.35
